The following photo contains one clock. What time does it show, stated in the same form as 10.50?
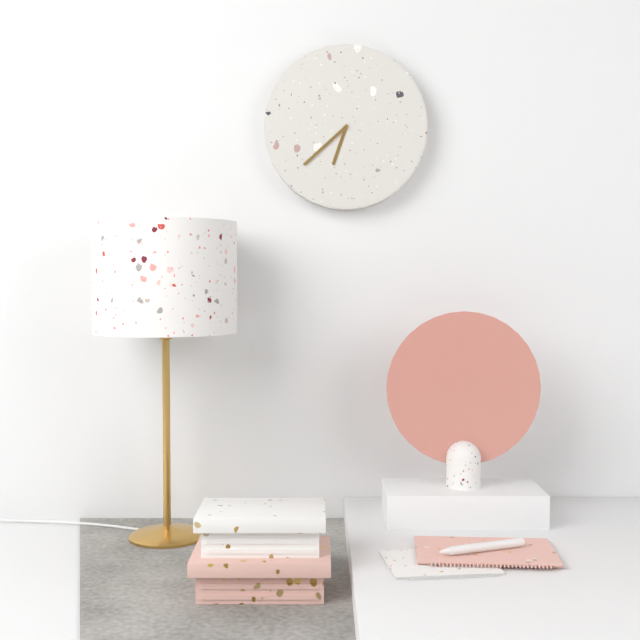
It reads 6.38
